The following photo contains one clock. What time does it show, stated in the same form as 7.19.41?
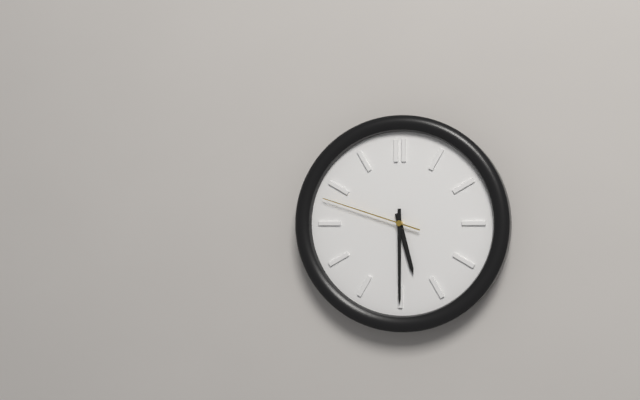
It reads 5.30.48
